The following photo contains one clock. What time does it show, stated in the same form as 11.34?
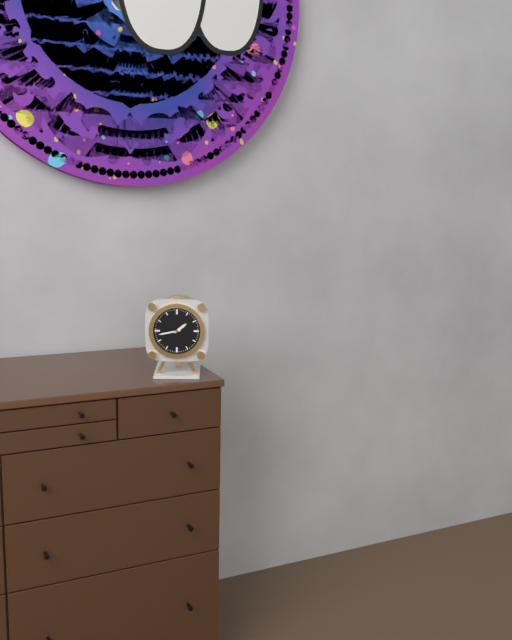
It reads 1.43
